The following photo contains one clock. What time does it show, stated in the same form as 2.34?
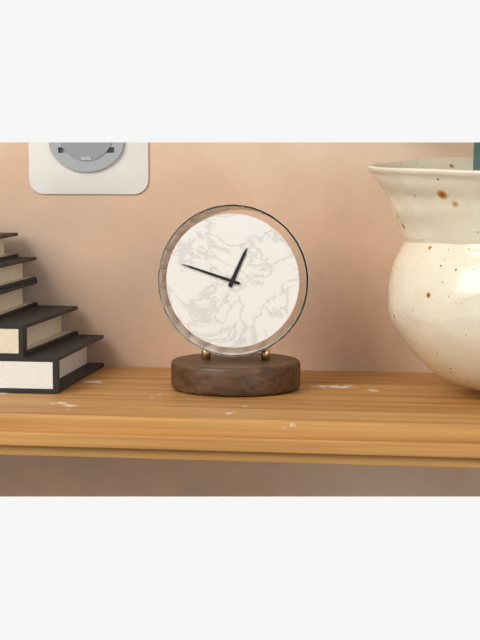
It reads 12.48
